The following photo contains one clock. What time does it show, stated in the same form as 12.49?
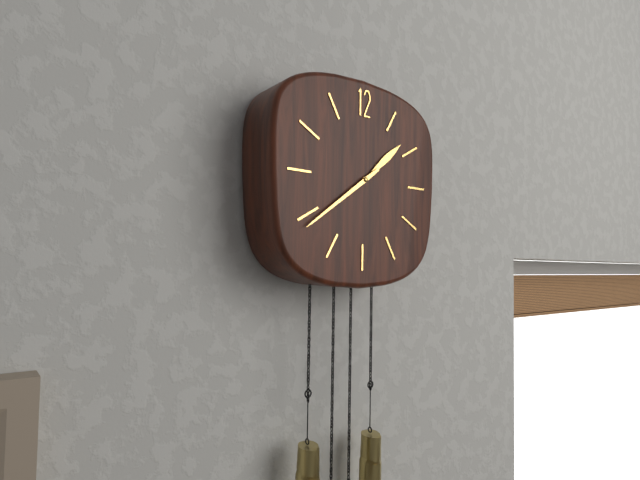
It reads 1.39
